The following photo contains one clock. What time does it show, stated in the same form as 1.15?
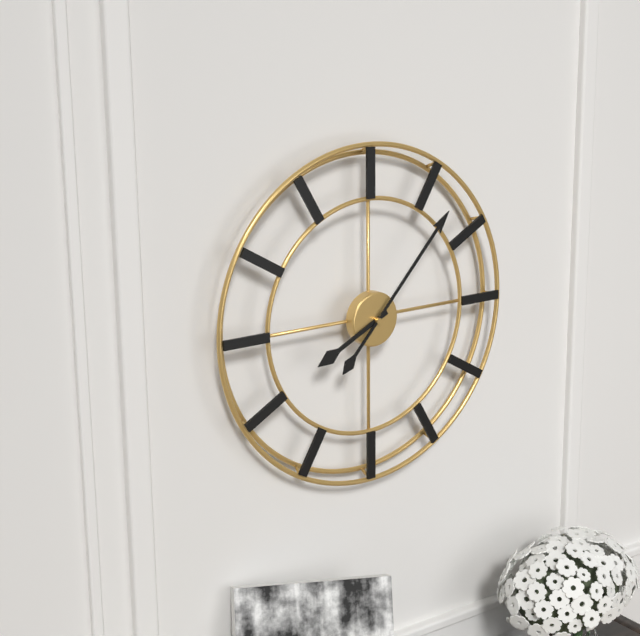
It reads 8.07
